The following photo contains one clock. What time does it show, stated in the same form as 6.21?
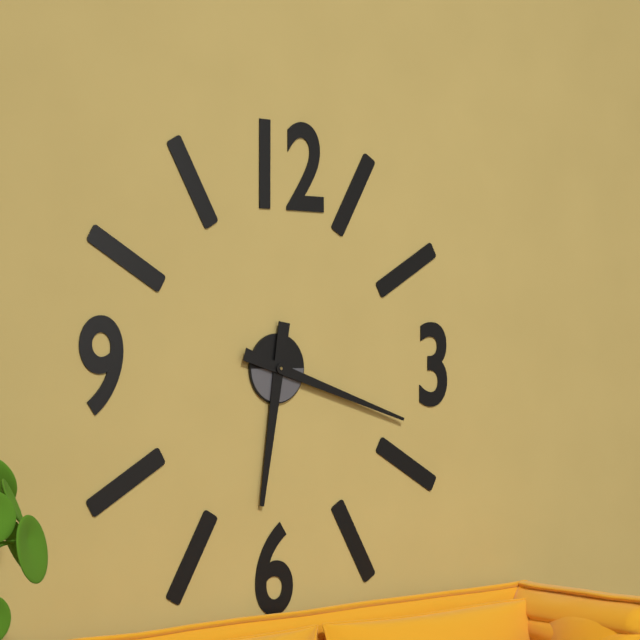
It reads 6.18
